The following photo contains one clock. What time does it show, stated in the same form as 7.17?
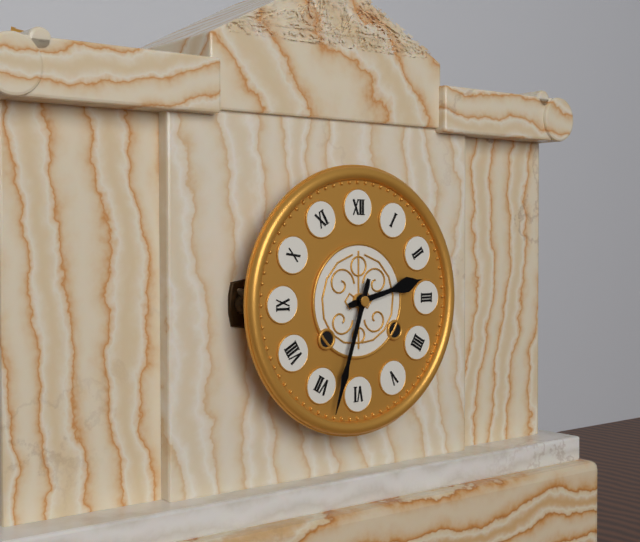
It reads 2.33
